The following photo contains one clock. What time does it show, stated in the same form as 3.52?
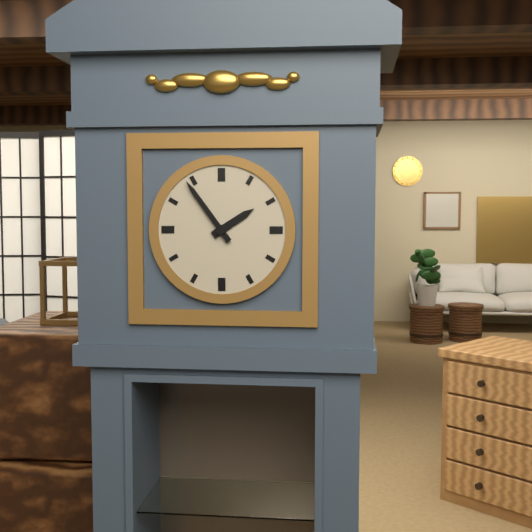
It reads 1.54
